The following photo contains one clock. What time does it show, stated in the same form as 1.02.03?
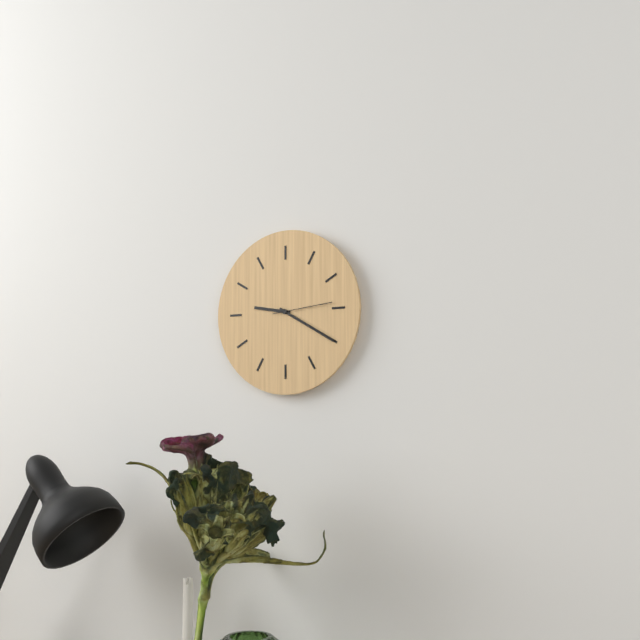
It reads 9.20.14
